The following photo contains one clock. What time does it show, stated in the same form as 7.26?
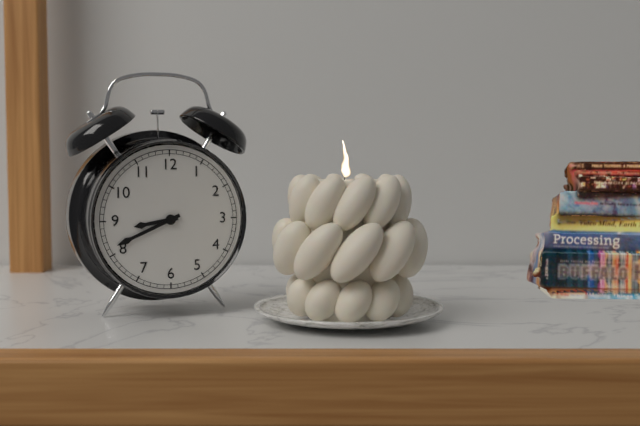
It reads 8.41
